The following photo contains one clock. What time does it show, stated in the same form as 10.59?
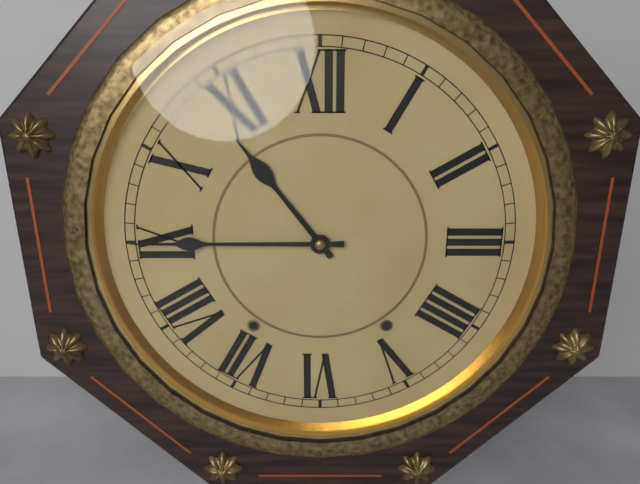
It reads 10.45
